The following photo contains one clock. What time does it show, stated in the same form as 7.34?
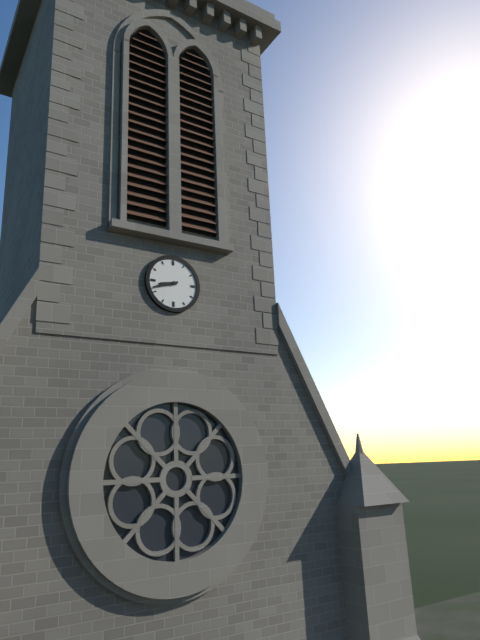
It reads 8.42
